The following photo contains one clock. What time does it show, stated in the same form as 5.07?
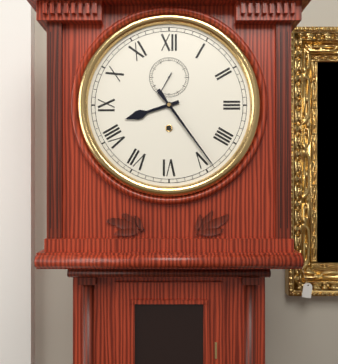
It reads 8.24
